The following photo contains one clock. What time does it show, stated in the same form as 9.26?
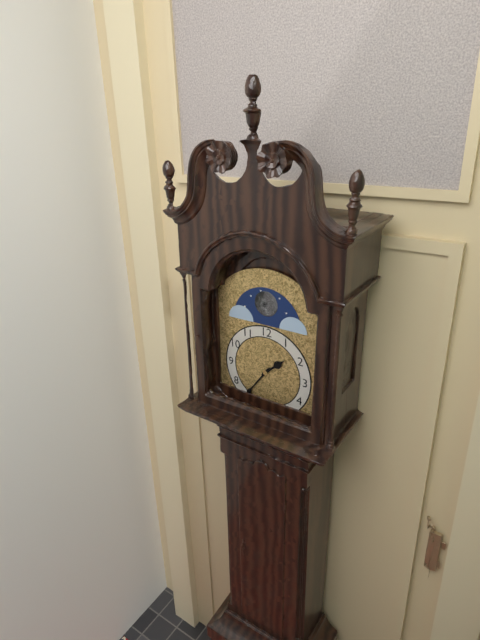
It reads 1.36
